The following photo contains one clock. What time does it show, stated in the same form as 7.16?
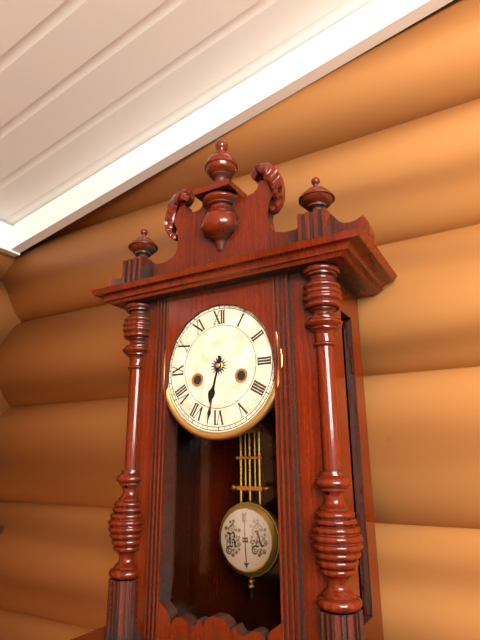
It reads 6.32
